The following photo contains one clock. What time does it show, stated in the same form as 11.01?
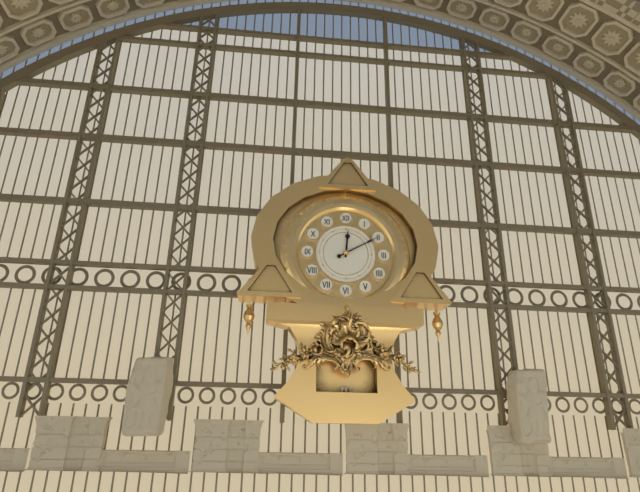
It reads 12.10
